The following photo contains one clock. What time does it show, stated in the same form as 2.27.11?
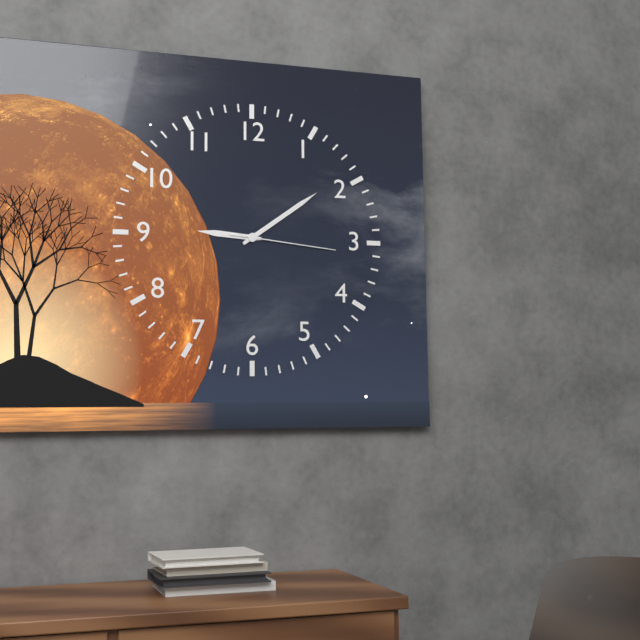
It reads 9.09.16
